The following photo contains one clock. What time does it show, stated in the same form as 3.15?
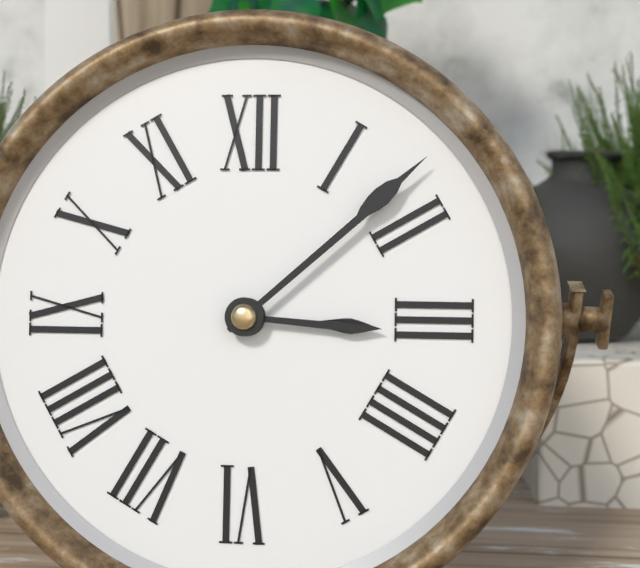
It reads 3.08
